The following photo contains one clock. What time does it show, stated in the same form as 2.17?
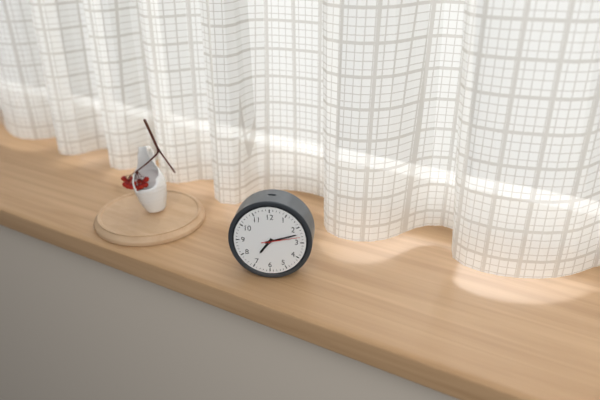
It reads 7.12
